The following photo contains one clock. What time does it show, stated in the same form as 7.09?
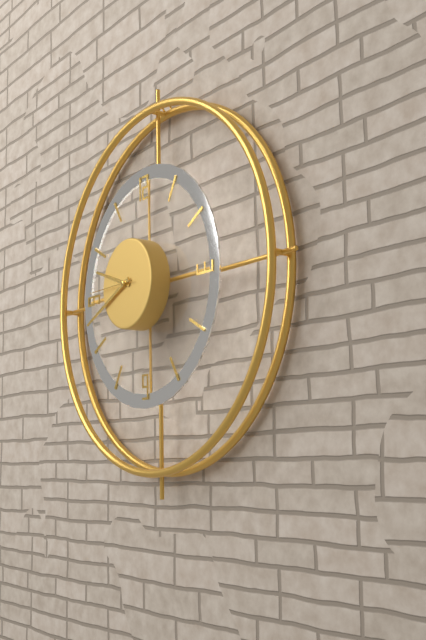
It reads 9.41
